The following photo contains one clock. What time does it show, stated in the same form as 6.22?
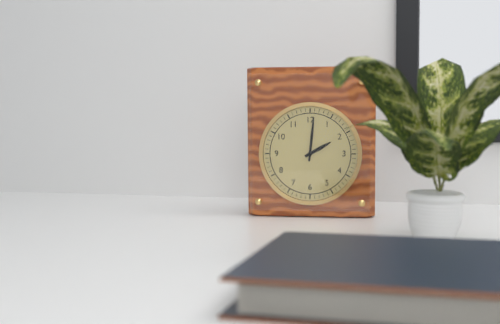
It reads 2.01
